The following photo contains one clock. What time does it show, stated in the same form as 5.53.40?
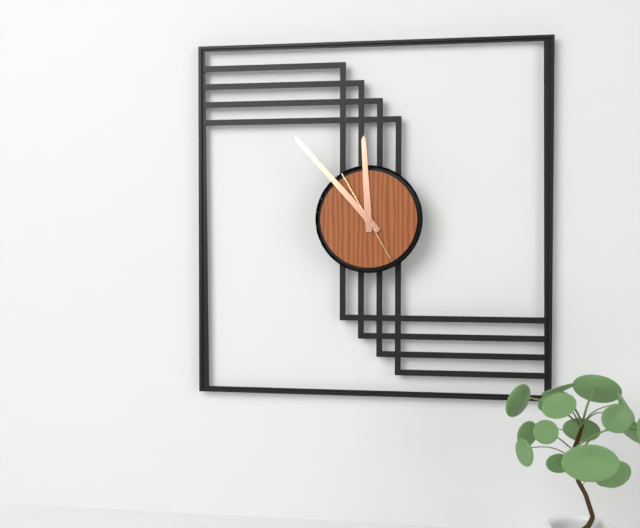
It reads 11.53.55
